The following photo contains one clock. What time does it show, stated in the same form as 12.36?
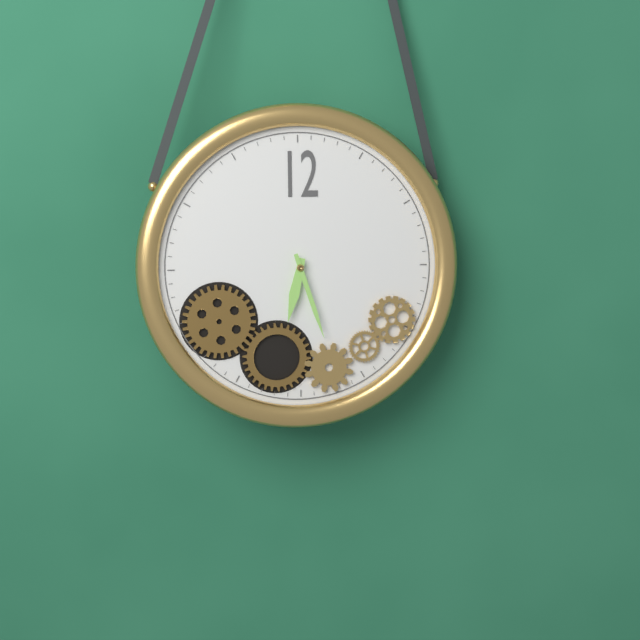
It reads 6.27
